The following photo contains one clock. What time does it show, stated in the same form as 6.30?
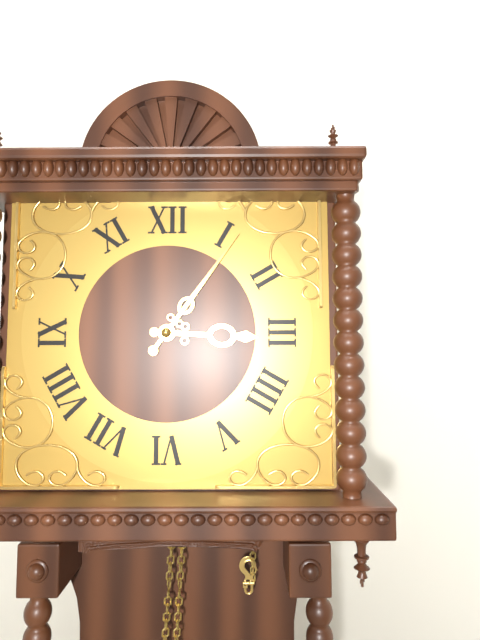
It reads 3.06
